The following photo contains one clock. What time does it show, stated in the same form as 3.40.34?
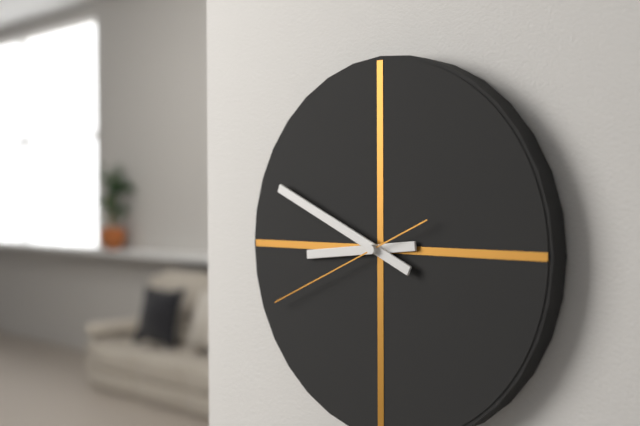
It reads 8.49.41
